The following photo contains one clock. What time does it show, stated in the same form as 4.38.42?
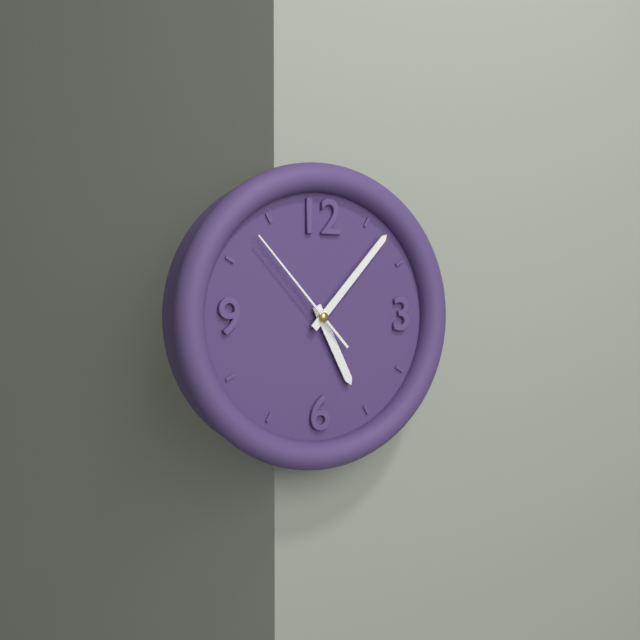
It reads 5.07.53
